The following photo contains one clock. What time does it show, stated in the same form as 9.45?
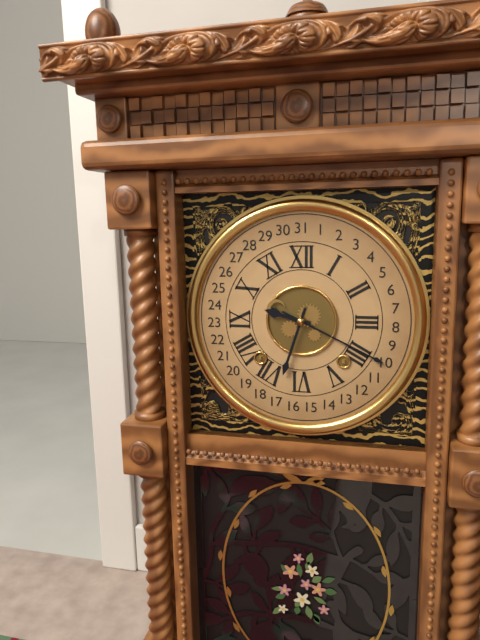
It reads 9.33
